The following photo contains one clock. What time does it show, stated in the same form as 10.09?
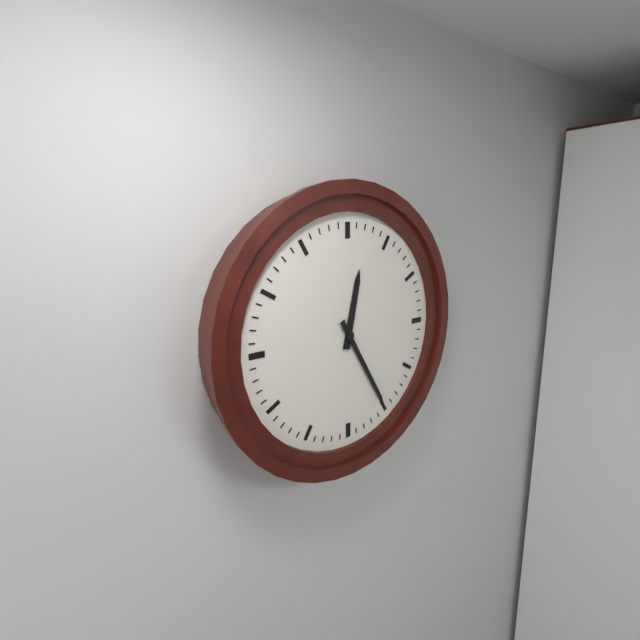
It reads 12.25
